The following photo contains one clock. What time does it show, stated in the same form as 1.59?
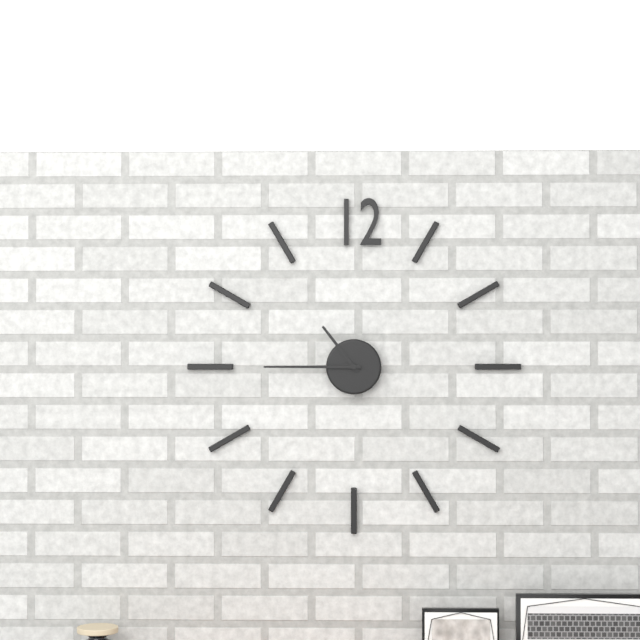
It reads 10.45
